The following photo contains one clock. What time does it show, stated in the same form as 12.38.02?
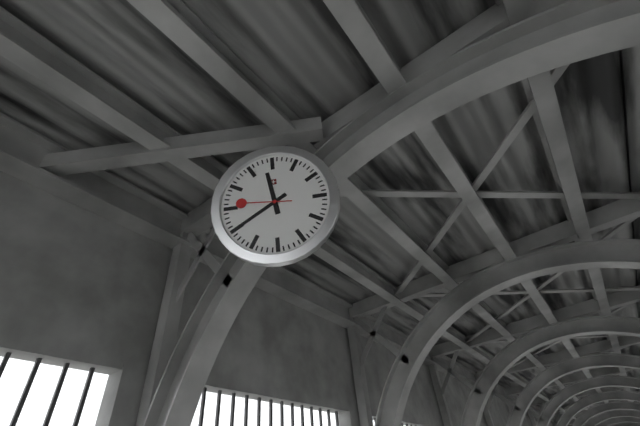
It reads 11.40.46
